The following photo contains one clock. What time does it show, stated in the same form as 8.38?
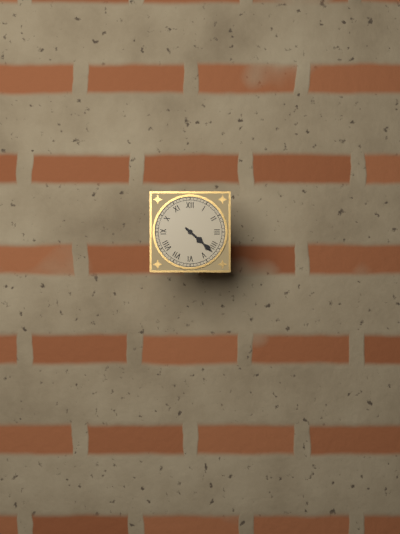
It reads 4.22
